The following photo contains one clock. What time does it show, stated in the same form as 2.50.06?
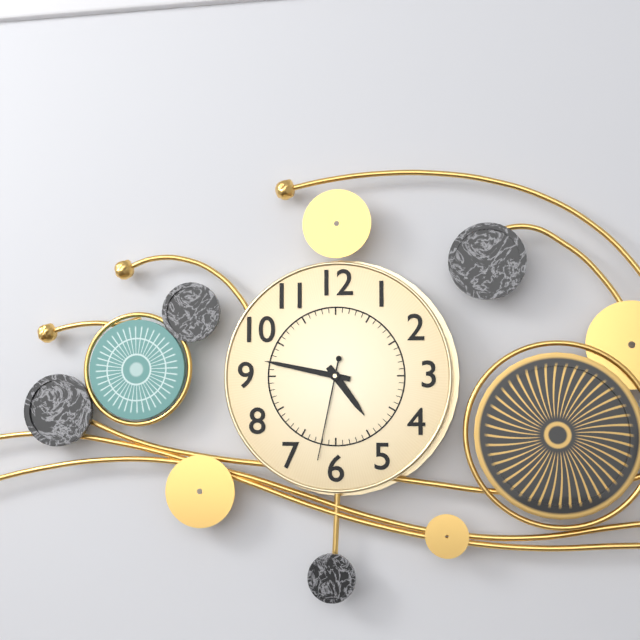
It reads 4.47.32
